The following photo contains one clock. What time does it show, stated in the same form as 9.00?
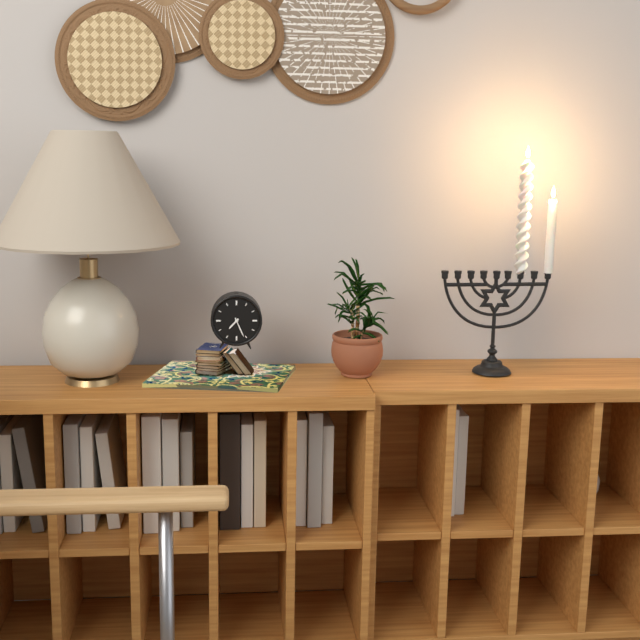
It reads 7.26
